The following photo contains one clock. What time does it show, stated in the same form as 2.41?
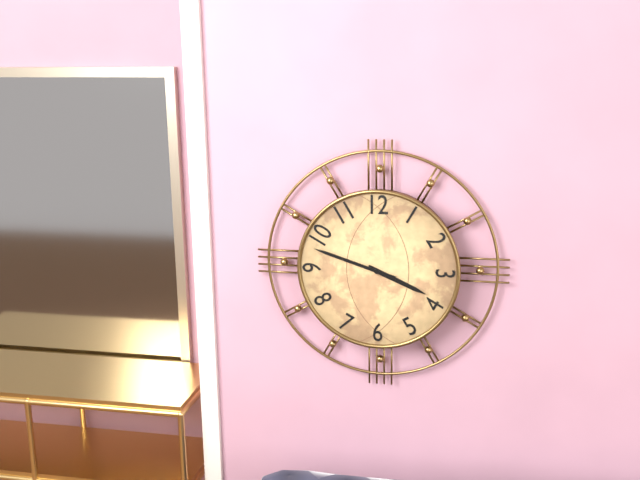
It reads 3.48
